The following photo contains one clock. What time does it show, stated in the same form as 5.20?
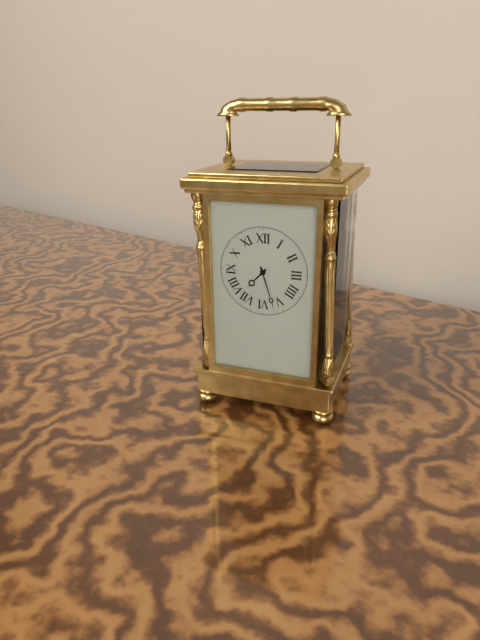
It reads 7.27
